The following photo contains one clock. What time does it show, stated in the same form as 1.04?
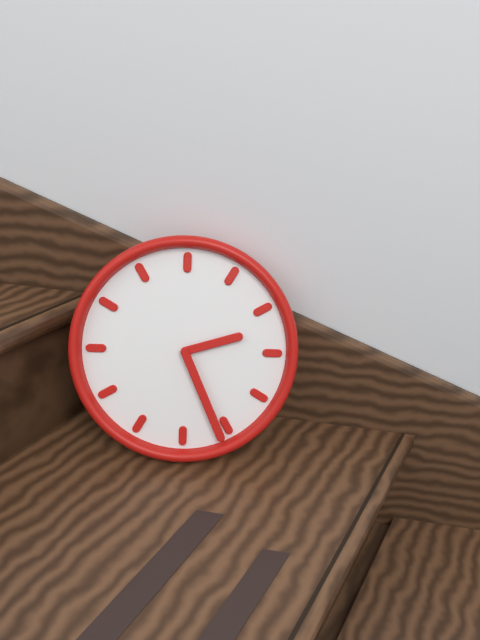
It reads 2.26
